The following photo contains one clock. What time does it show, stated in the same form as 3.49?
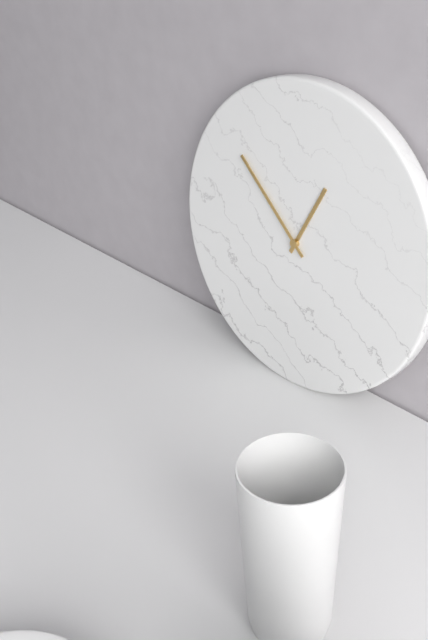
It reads 12.52
